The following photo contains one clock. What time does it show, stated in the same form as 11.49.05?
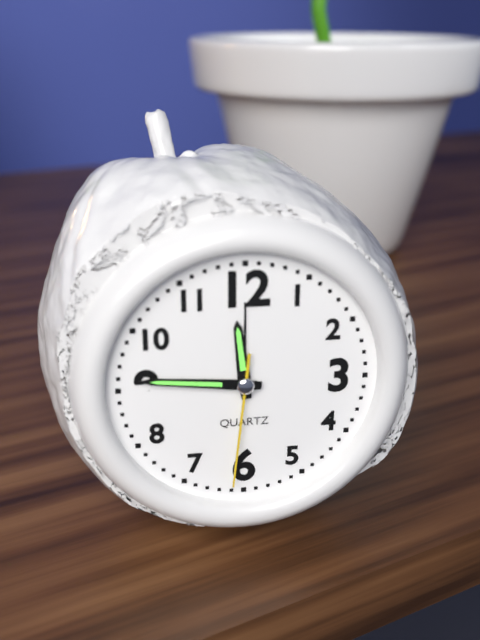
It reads 11.46.31
